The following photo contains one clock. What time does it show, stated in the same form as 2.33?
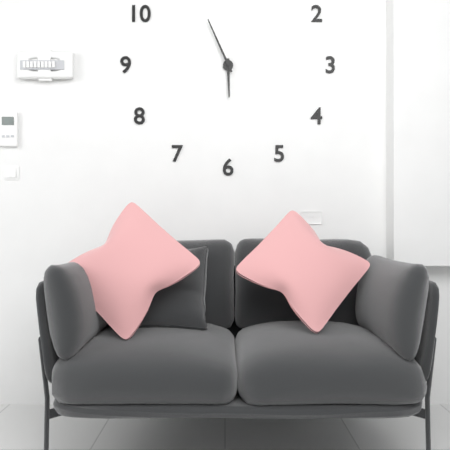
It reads 5.56
